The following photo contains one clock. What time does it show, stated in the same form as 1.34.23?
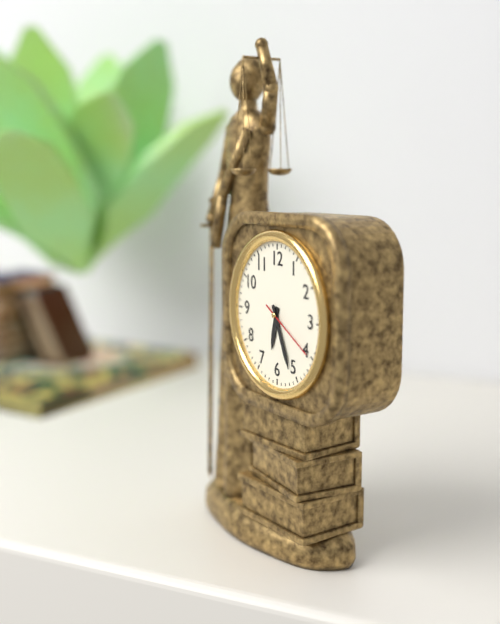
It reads 6.26.20
